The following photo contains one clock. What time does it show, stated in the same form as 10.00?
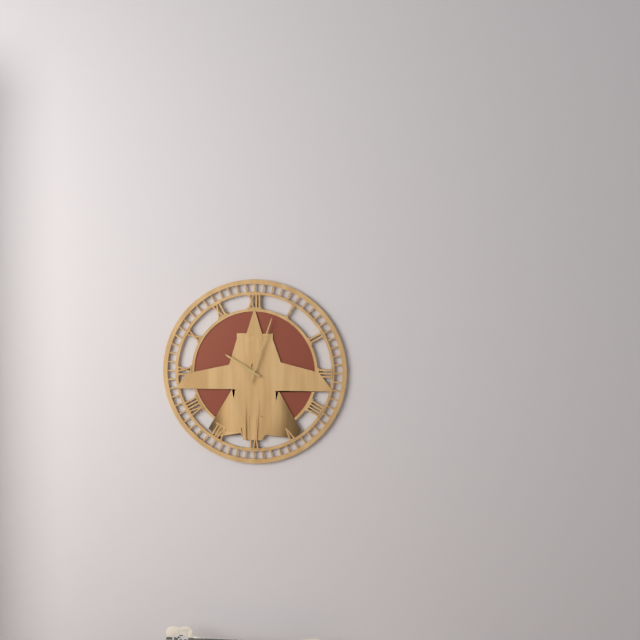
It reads 10.03
